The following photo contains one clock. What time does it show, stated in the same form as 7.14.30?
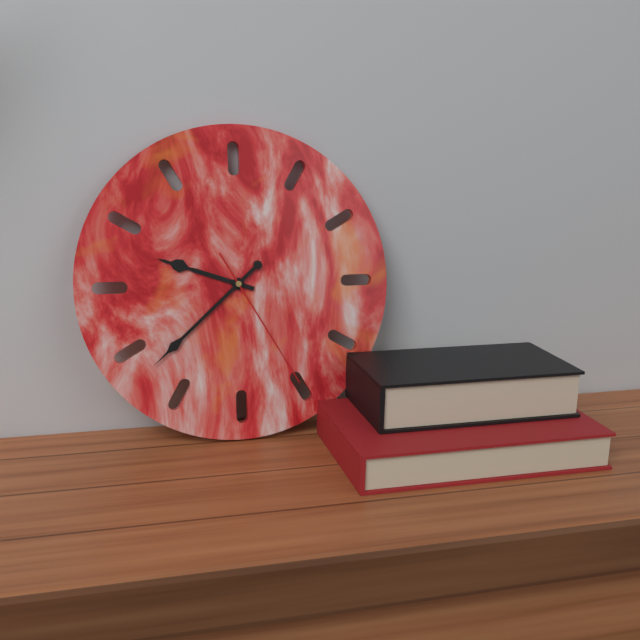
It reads 9.38.25
